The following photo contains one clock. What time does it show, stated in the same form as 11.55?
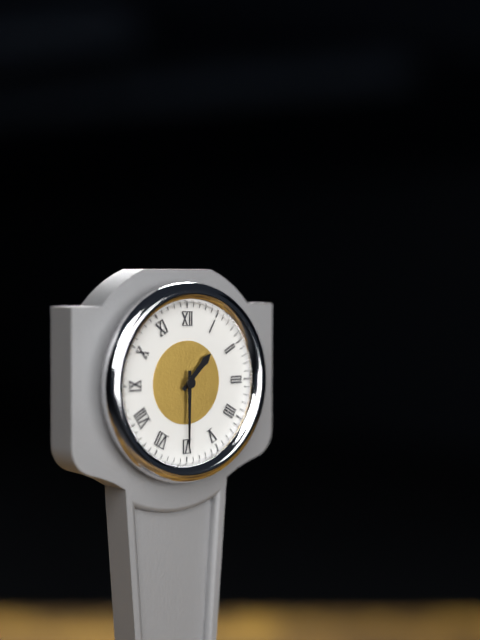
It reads 1.30
